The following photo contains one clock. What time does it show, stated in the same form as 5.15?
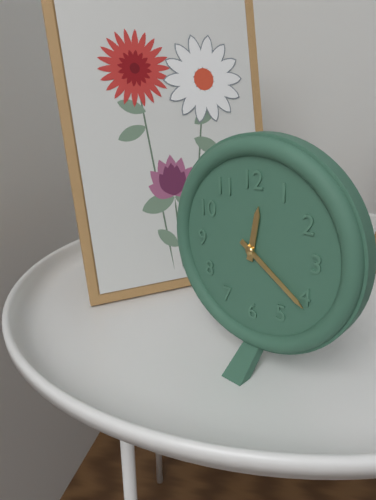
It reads 12.21
